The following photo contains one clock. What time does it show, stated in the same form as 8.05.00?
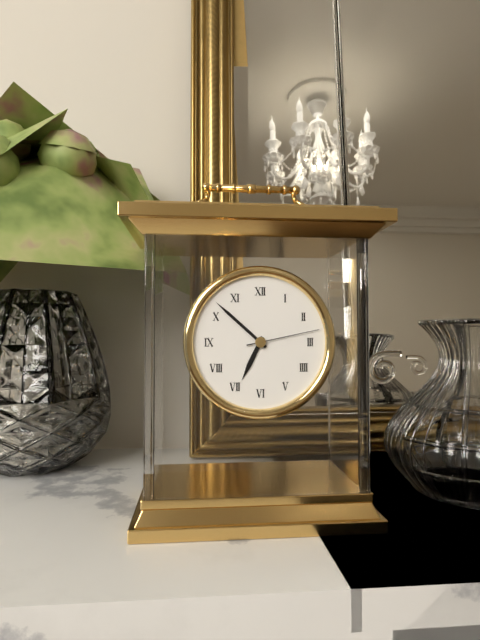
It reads 6.52.13
